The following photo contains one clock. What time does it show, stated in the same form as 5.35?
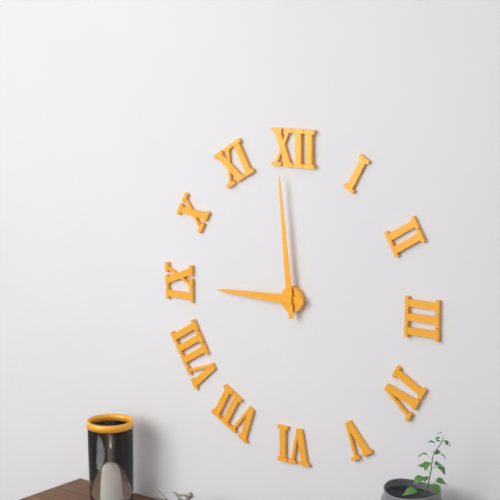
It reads 8.59
